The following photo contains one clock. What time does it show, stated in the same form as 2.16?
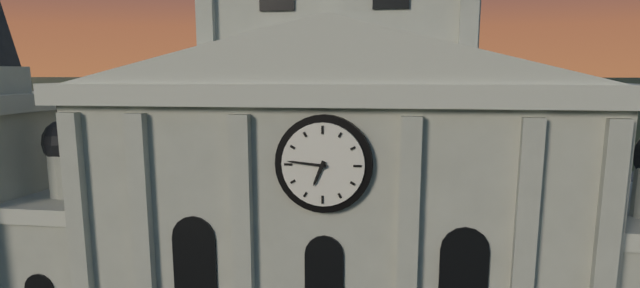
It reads 6.46
